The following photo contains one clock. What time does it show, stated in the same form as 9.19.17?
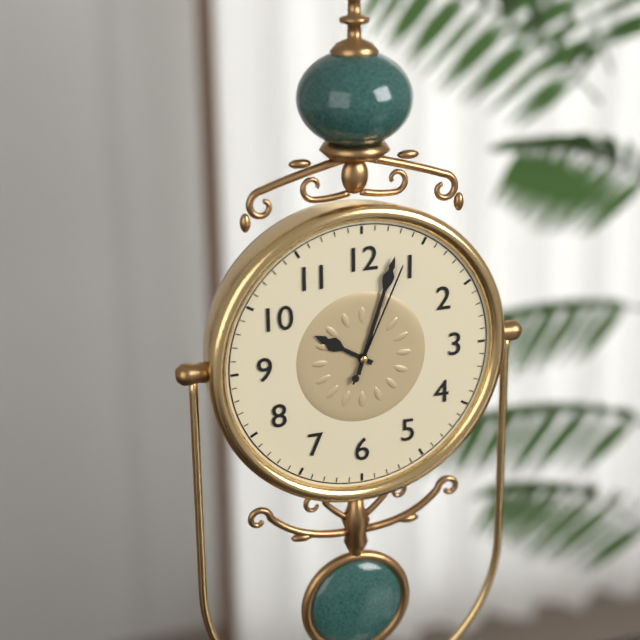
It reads 10.03.04
